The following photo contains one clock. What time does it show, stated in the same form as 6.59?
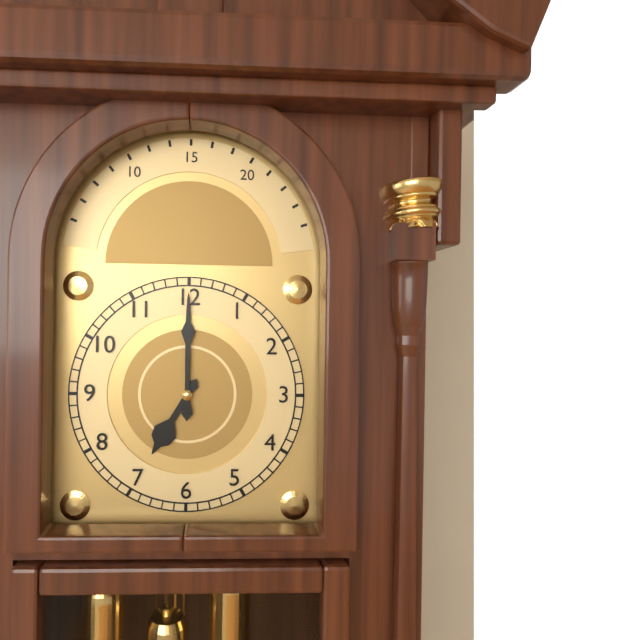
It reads 7.00
